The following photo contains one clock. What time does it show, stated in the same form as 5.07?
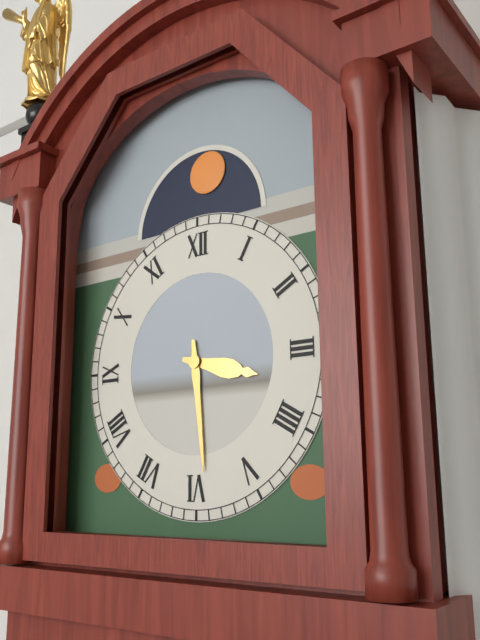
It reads 3.29
